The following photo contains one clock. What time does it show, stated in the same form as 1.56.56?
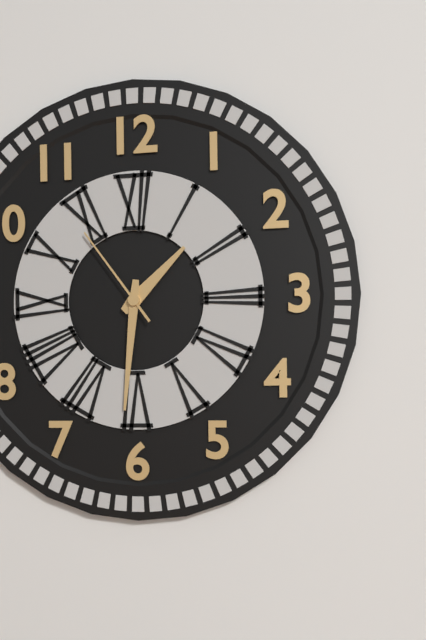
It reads 1.31.54
